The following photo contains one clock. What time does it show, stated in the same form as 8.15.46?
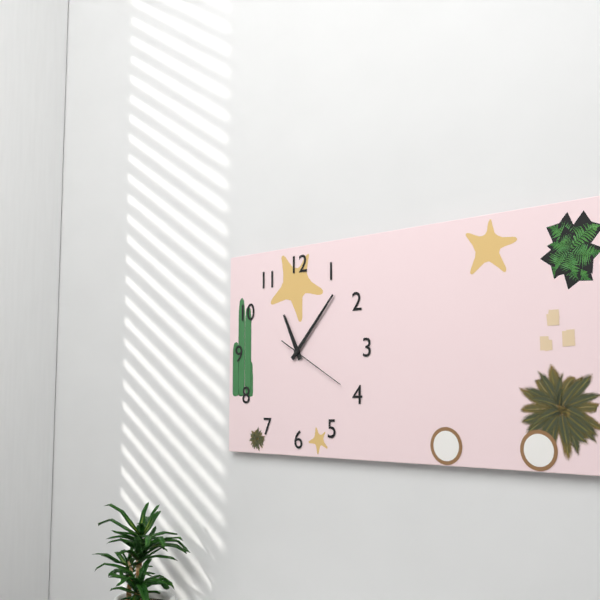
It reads 11.07.20
